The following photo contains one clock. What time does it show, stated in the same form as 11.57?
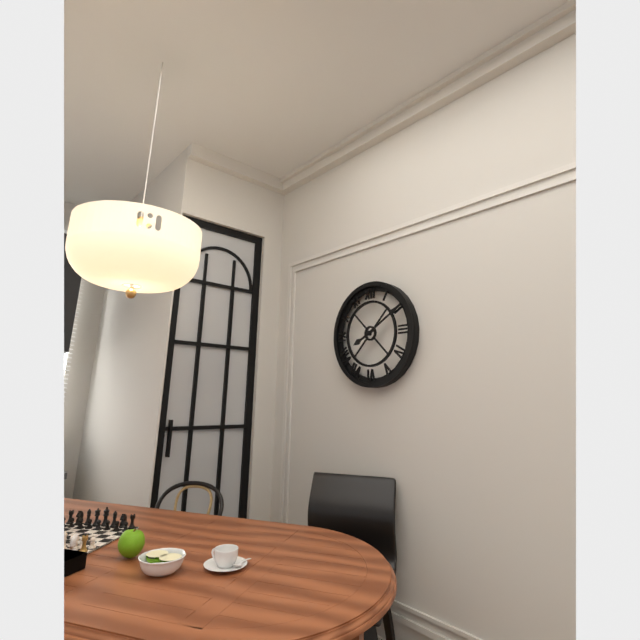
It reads 8.10
